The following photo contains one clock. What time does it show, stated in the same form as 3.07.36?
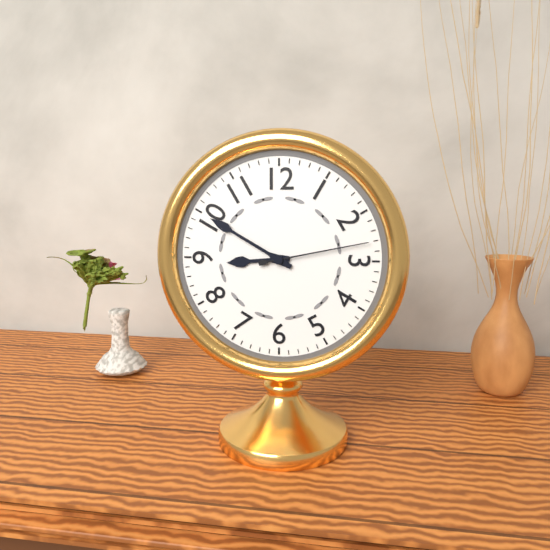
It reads 8.50.13
